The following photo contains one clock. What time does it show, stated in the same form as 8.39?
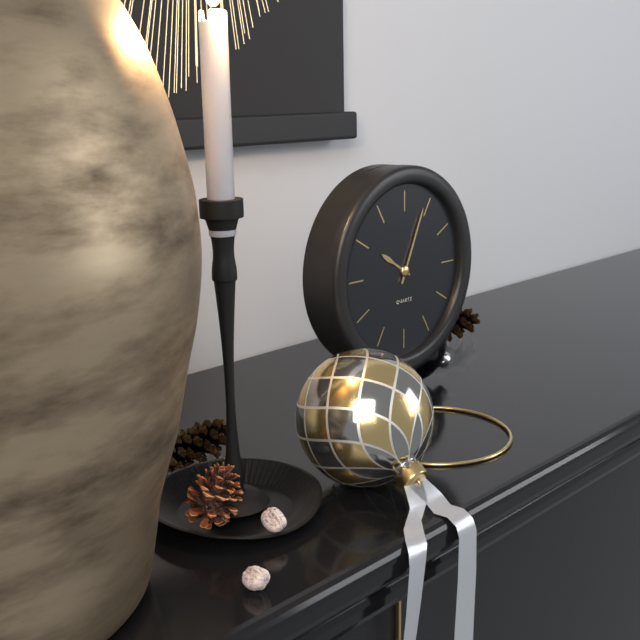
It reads 10.04
